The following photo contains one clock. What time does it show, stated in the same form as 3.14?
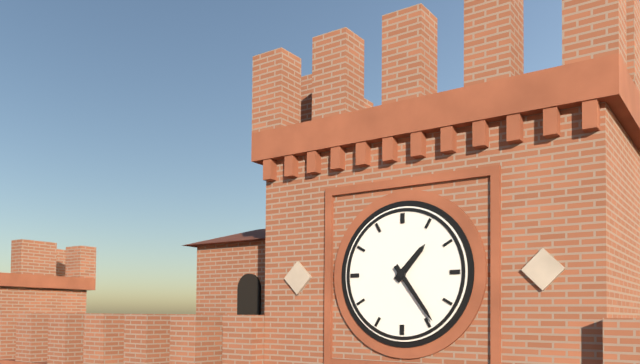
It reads 1.24
